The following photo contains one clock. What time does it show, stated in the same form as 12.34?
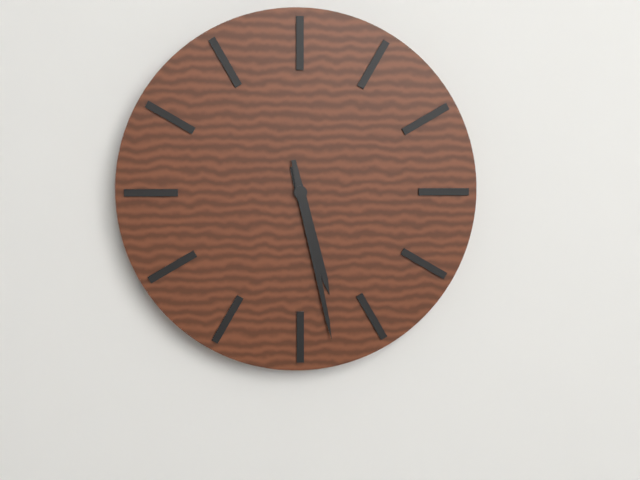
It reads 5.28
